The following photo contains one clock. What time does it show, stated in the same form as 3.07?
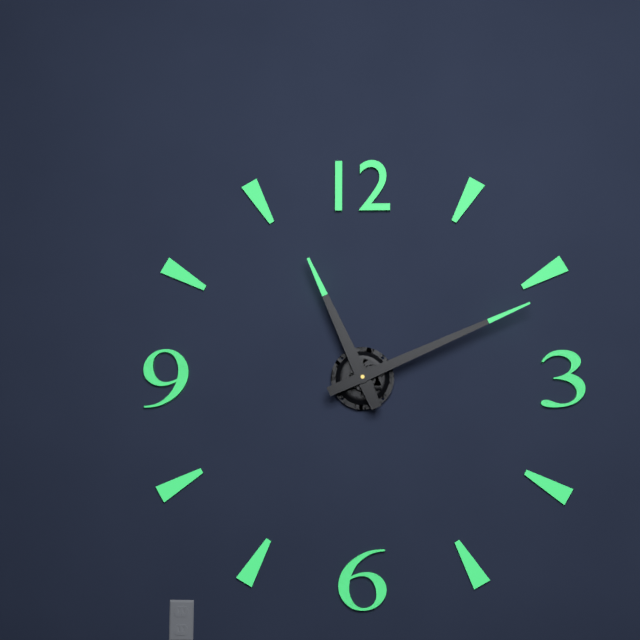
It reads 11.11
